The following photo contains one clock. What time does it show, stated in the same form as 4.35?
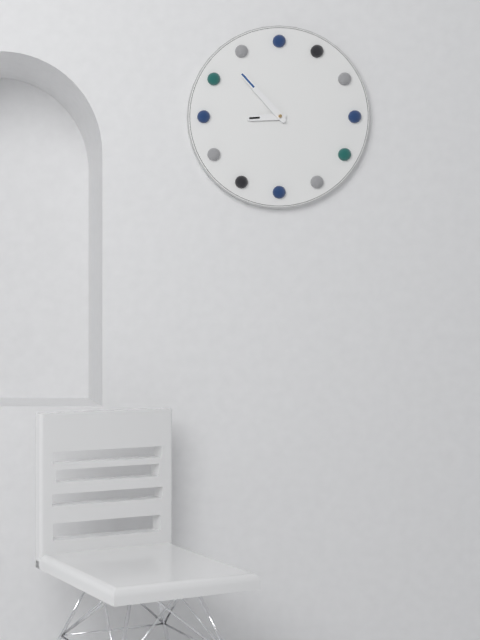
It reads 8.53
